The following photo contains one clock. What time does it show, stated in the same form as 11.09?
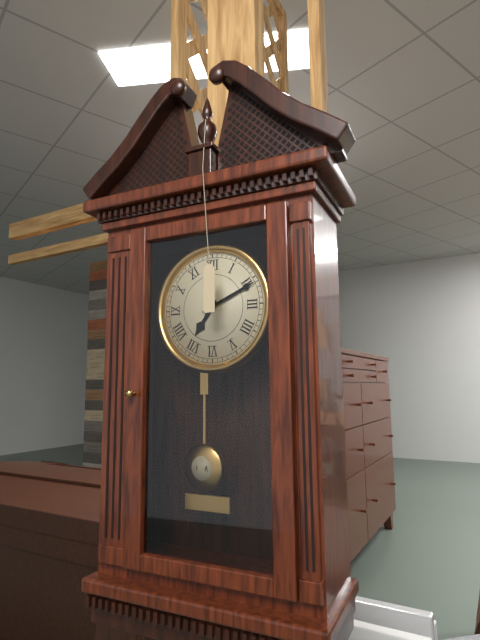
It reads 7.11
